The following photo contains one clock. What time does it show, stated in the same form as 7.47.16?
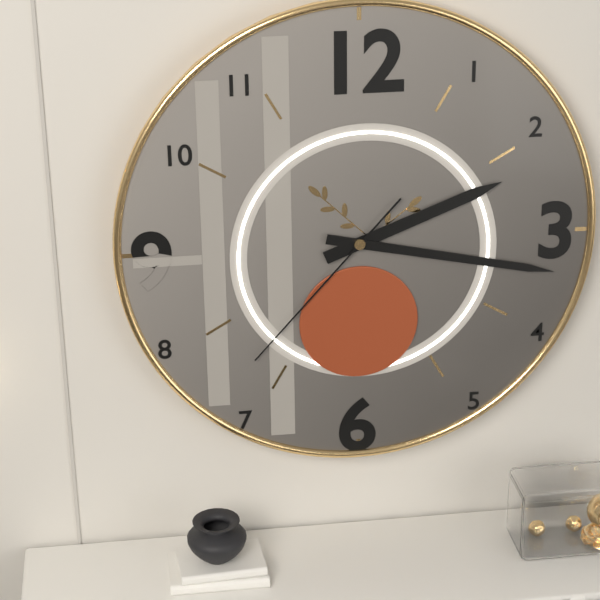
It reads 2.17.37
